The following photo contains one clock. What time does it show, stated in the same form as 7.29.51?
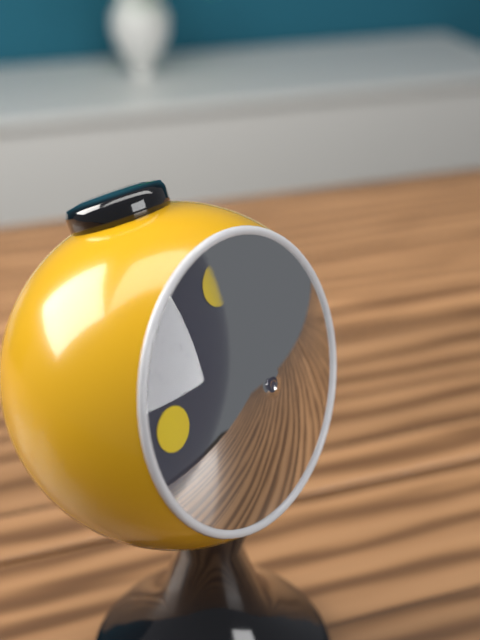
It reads 12.28.04
